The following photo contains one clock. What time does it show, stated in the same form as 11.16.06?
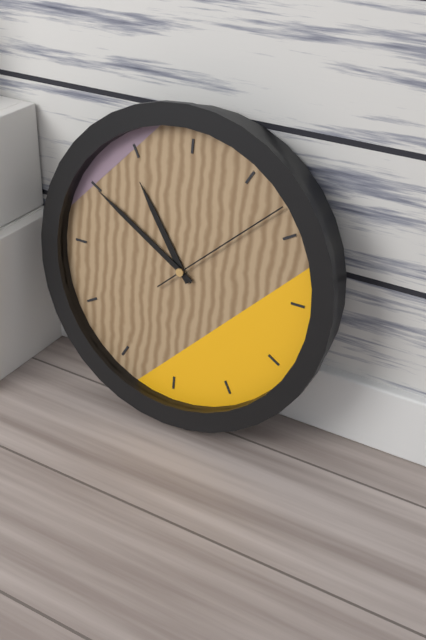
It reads 10.50.08
